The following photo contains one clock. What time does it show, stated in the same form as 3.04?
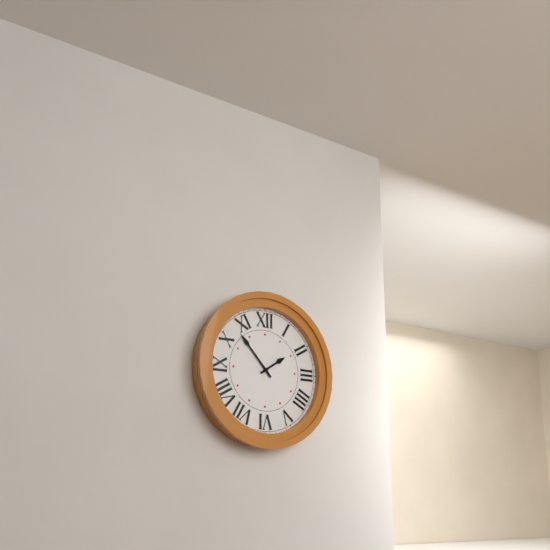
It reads 1.53
